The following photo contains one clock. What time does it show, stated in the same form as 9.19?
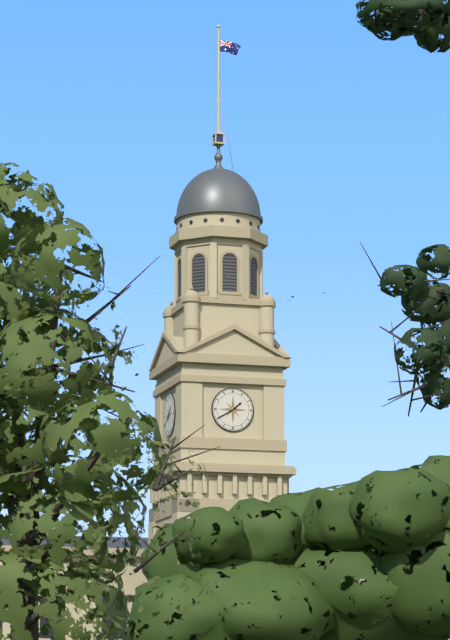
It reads 1.40
